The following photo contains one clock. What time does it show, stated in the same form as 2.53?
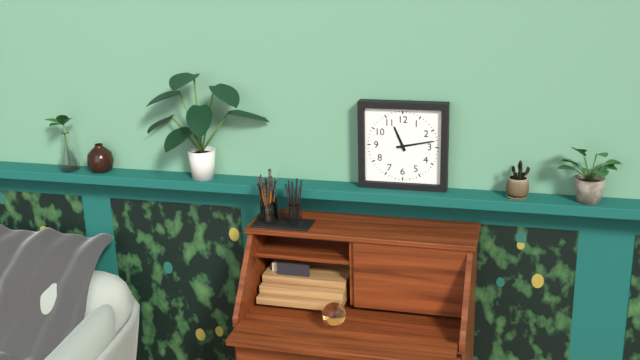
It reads 11.13
